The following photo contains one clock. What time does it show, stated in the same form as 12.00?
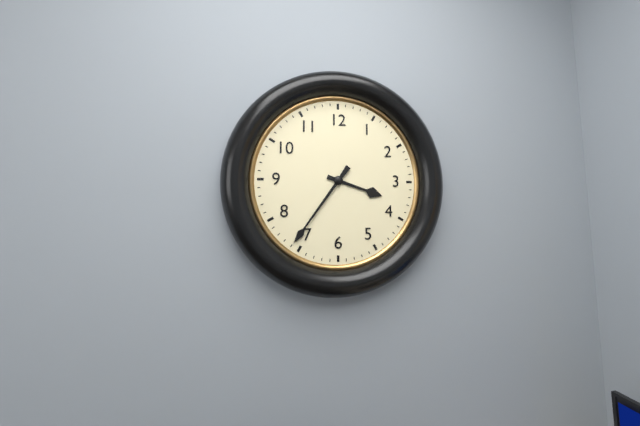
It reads 3.36
